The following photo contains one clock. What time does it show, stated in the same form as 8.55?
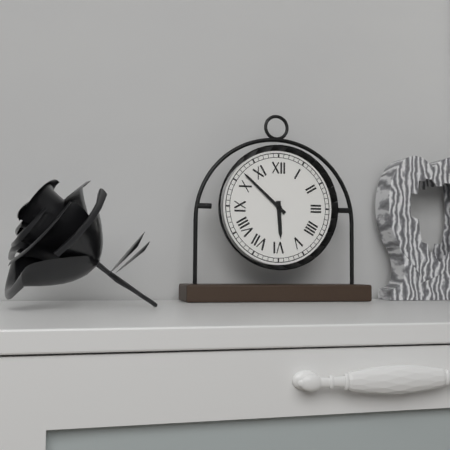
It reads 5.52
